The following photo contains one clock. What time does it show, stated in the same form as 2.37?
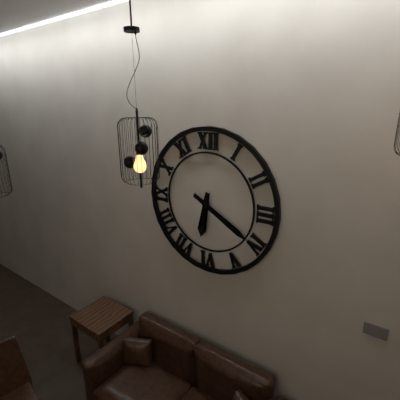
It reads 6.20
